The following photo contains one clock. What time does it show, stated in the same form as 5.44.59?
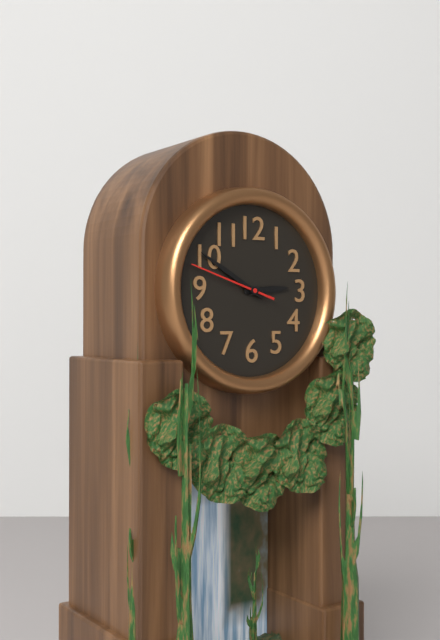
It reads 2.50.48
